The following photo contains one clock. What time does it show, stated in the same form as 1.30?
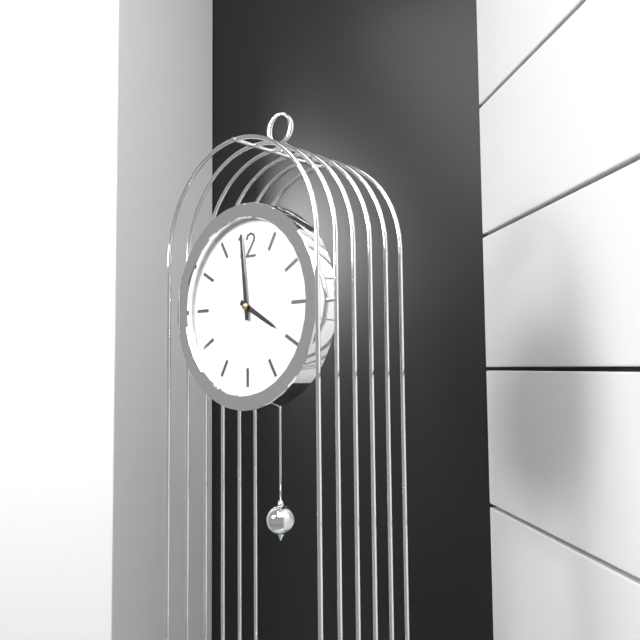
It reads 3.59
